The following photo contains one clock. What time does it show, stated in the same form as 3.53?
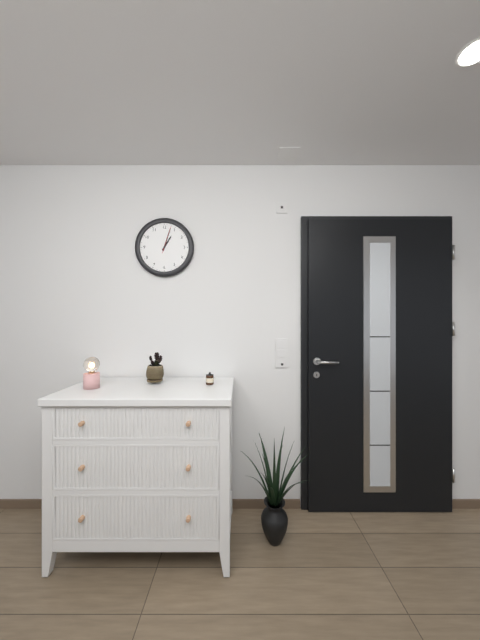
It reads 1.03
